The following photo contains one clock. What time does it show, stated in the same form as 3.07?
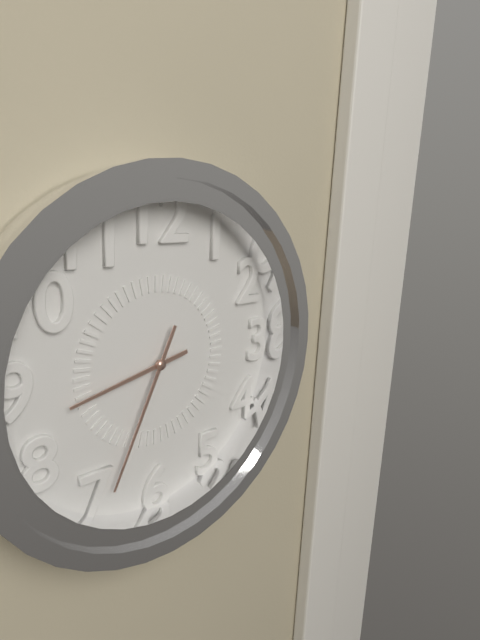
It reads 8.34
